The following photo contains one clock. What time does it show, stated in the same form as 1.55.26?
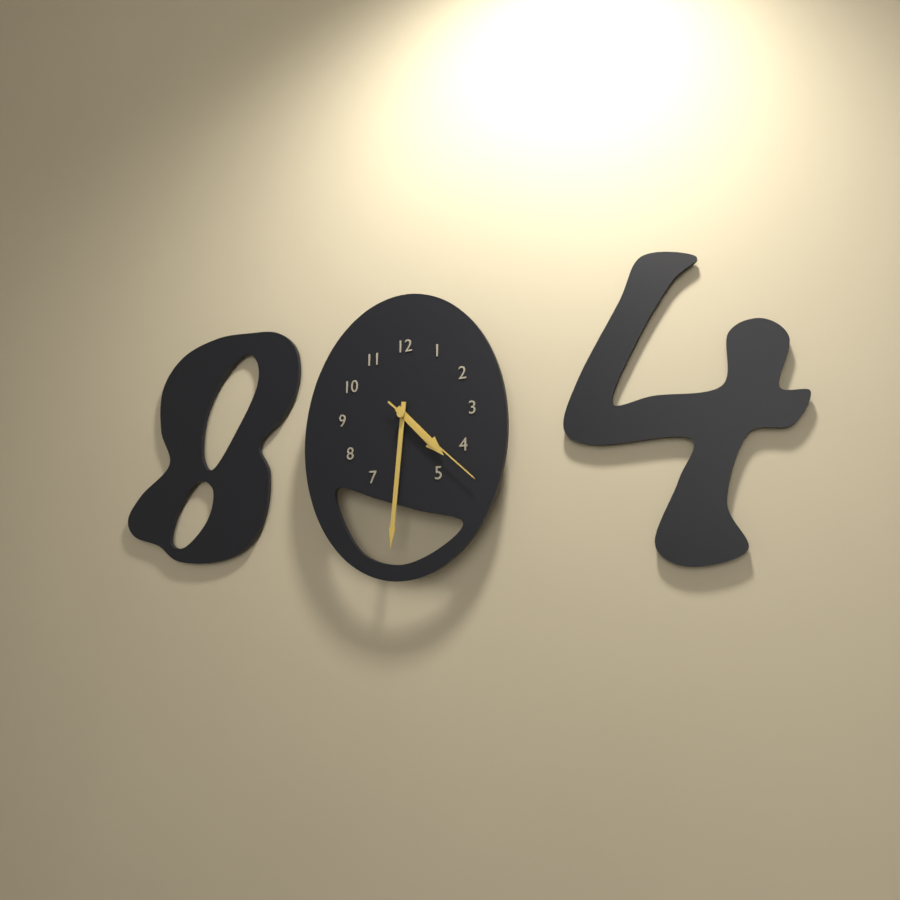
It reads 4.31.22
